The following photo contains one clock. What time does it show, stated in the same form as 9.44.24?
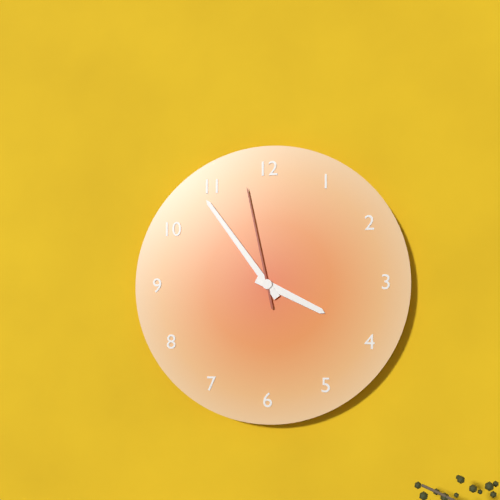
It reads 3.54.58
